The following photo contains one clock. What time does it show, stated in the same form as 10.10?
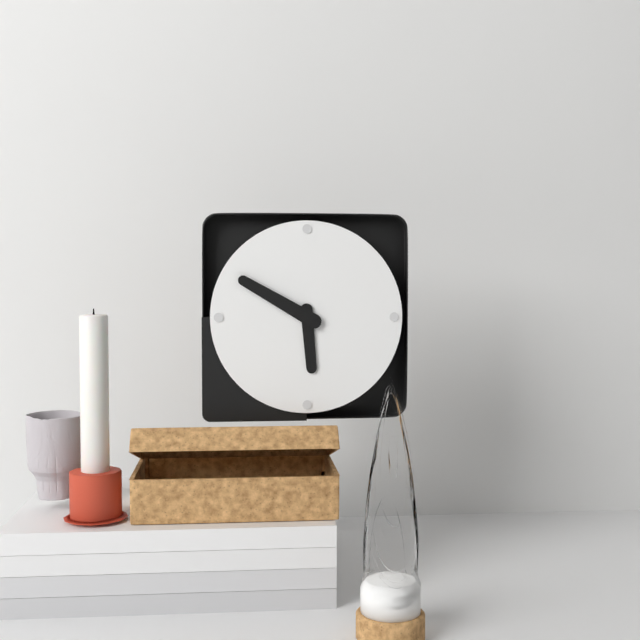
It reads 5.50
